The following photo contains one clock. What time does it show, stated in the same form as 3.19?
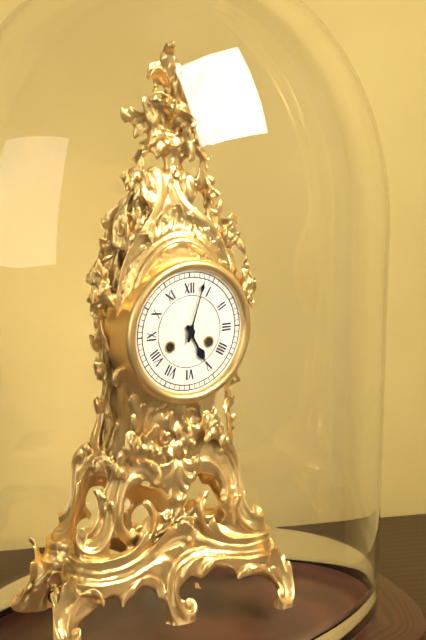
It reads 5.03
